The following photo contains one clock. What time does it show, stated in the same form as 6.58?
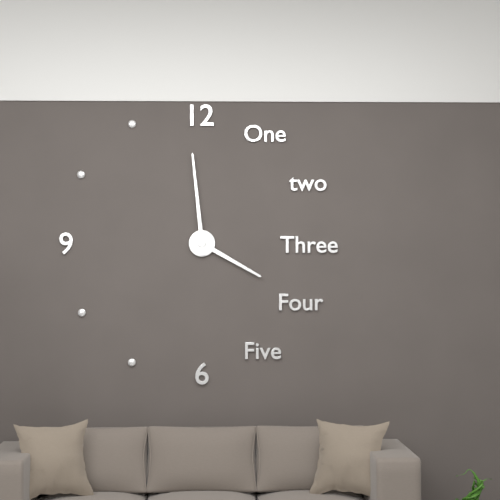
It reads 3.59
